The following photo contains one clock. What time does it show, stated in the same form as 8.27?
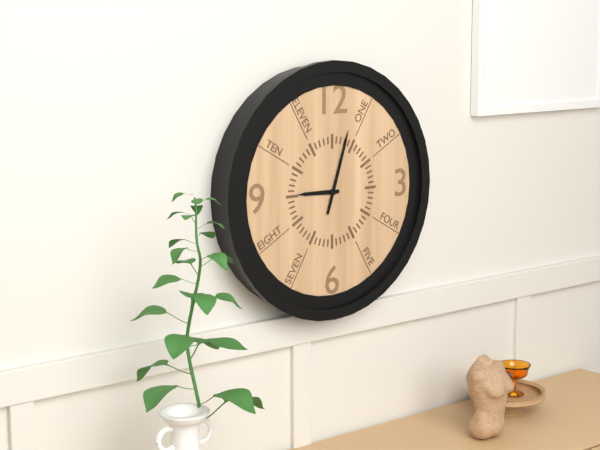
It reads 9.03
